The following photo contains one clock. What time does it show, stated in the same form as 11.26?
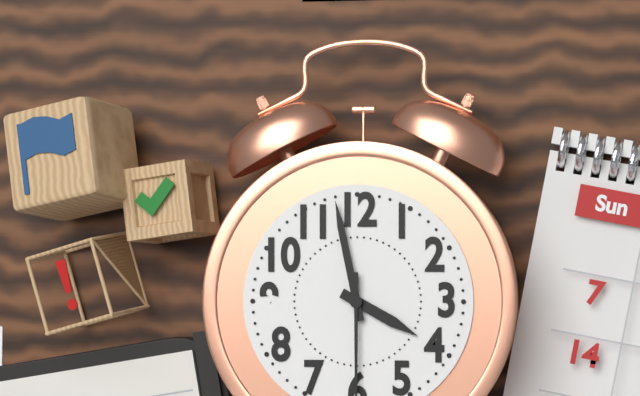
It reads 3.58
